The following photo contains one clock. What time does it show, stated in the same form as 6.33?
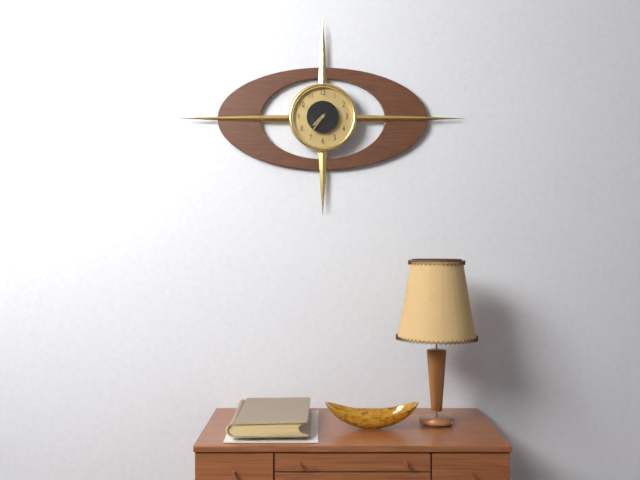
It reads 7.36
